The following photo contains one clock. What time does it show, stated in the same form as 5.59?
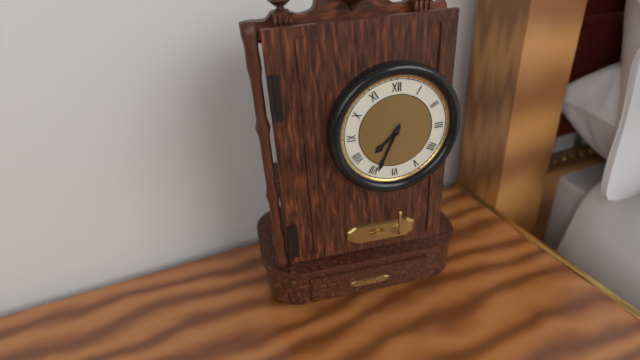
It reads 7.34
